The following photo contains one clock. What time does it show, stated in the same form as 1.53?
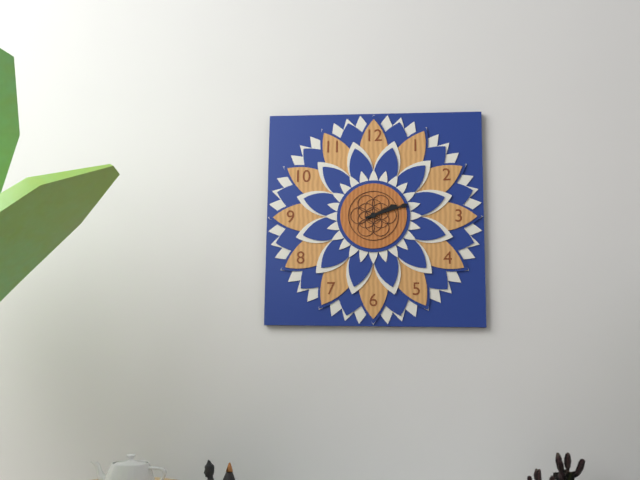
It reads 2.12
